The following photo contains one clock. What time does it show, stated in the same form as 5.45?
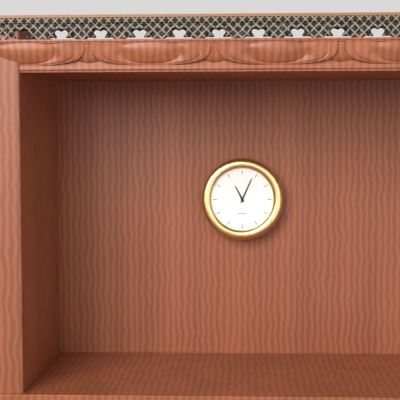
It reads 11.04
